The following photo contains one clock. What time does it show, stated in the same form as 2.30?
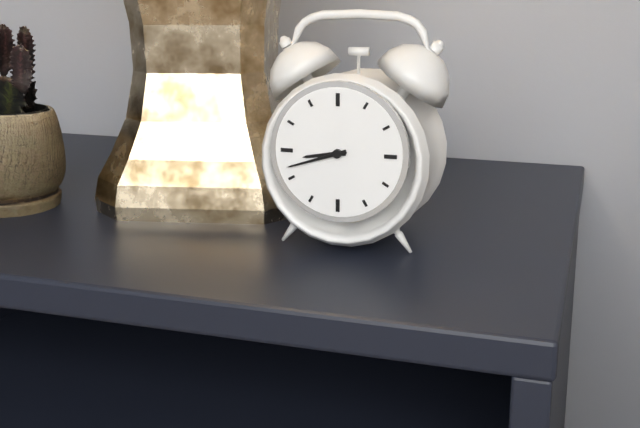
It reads 8.42
